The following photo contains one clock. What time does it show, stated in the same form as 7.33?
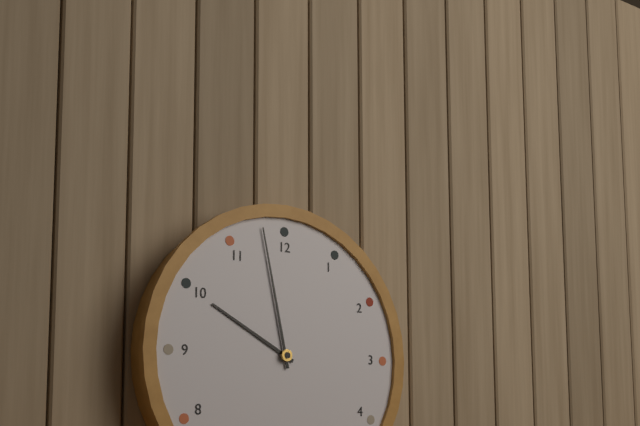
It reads 9.58
